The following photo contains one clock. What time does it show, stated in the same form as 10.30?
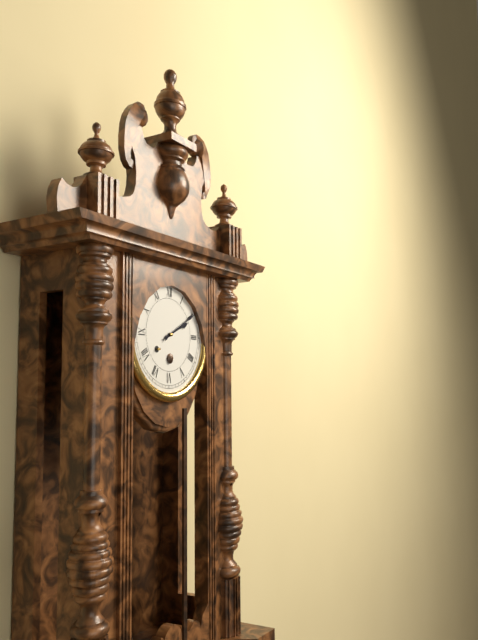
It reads 2.10
